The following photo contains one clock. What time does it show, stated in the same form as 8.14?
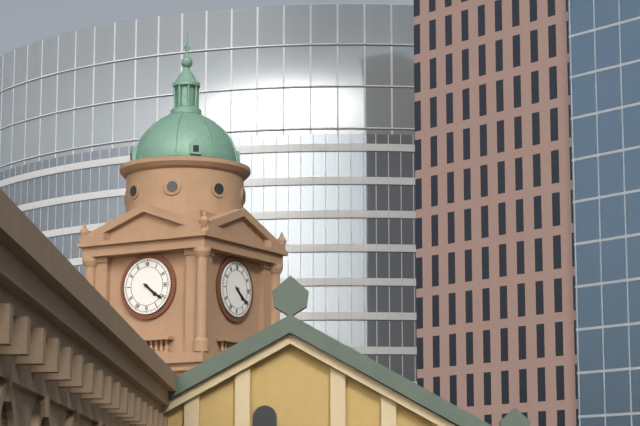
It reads 4.21
